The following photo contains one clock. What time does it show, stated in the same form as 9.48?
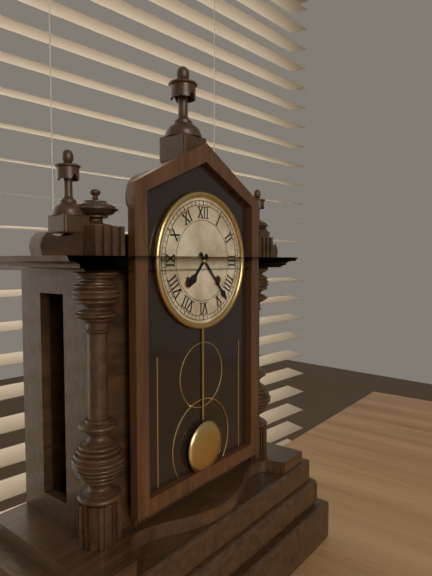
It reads 7.23
